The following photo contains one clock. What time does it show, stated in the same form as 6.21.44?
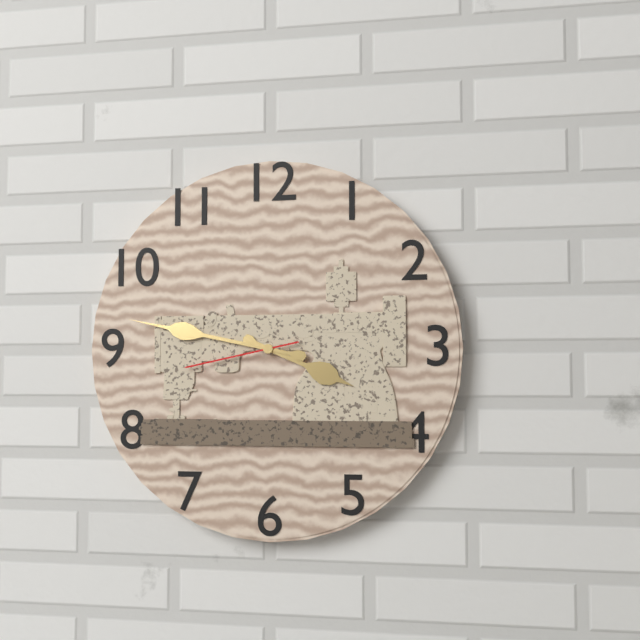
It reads 3.47.43
